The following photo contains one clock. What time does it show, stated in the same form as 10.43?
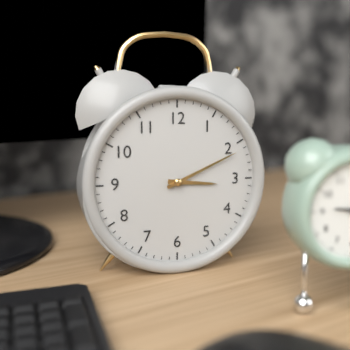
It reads 3.11
